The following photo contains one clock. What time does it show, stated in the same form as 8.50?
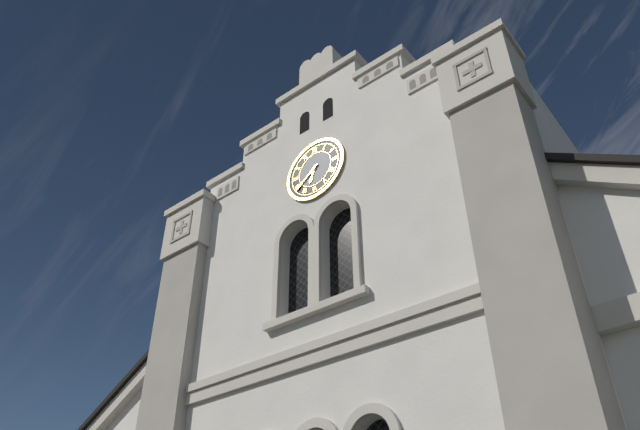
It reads 6.39
